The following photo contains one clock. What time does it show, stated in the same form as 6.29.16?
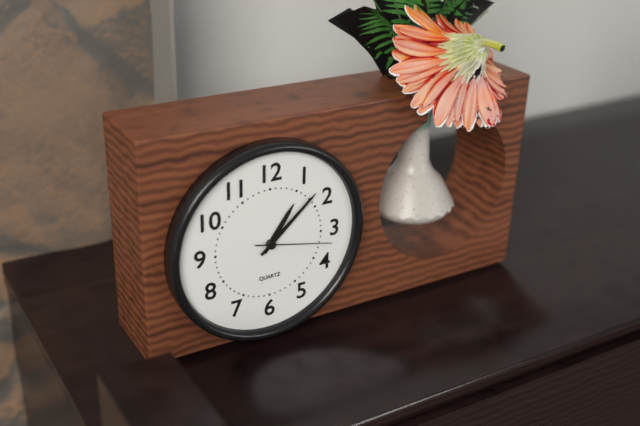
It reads 1.08.17
